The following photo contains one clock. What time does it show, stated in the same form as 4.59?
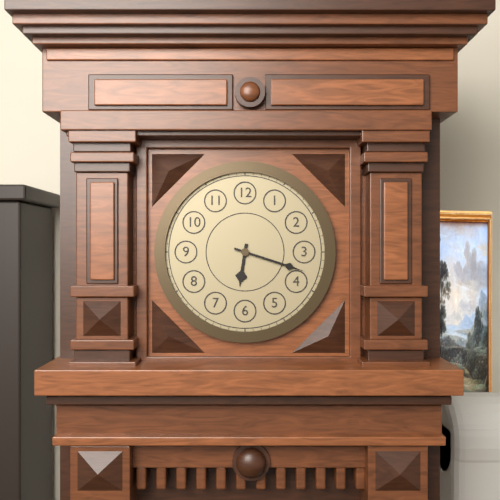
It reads 6.18
